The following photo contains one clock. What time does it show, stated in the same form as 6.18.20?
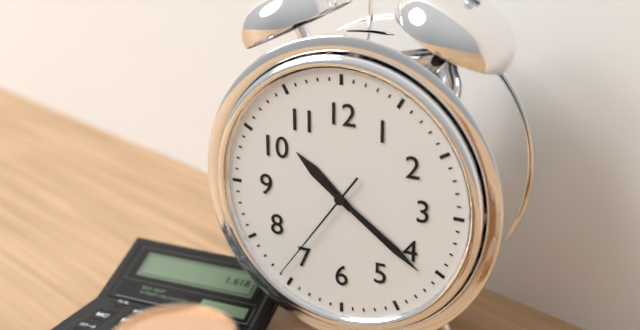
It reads 10.21.36
